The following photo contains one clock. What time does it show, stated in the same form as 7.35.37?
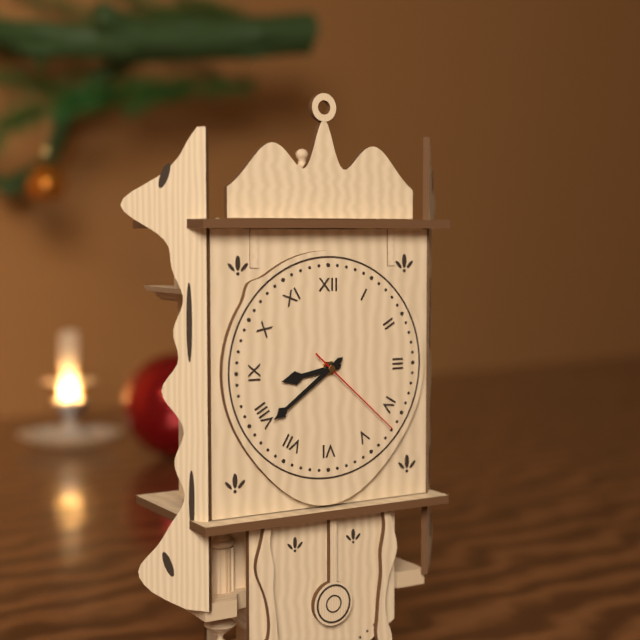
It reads 8.39.22
